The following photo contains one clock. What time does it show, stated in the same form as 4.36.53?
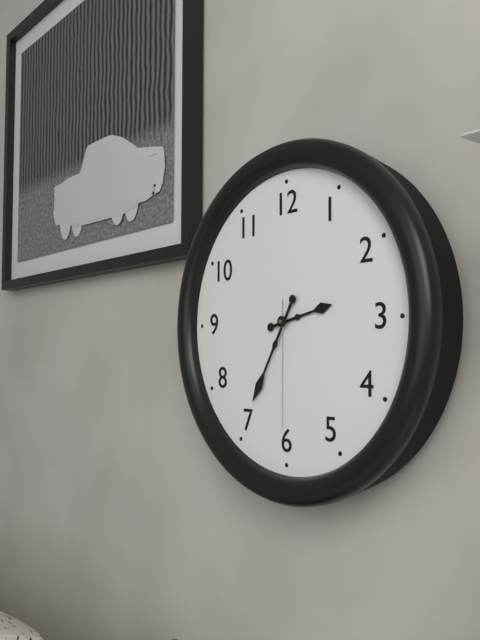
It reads 2.35.30
